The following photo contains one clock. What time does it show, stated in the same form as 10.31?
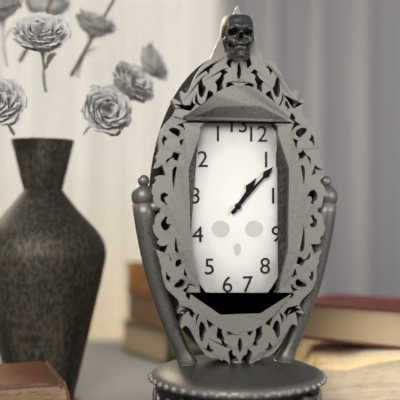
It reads 1.07
